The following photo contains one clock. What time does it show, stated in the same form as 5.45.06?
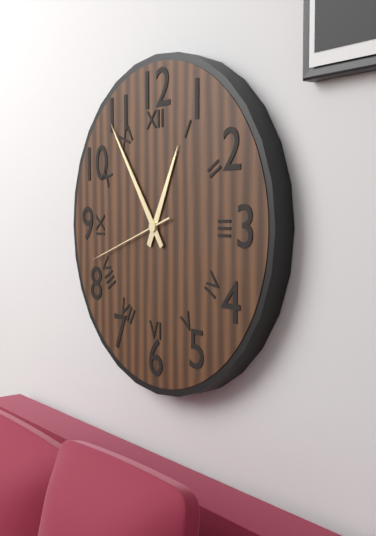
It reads 12.54.42
